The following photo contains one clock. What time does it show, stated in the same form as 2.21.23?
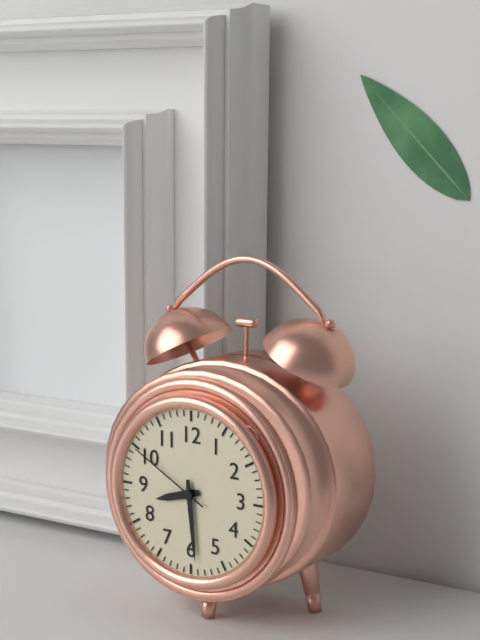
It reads 8.29.50
